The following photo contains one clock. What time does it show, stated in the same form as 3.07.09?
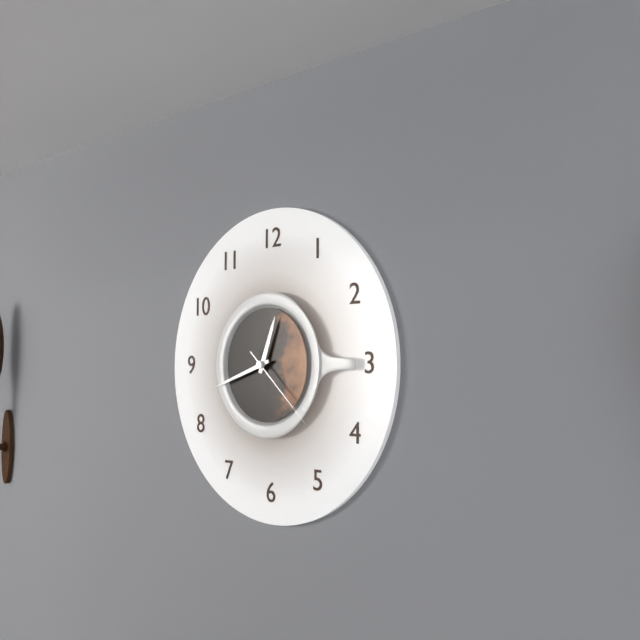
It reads 12.42.22
